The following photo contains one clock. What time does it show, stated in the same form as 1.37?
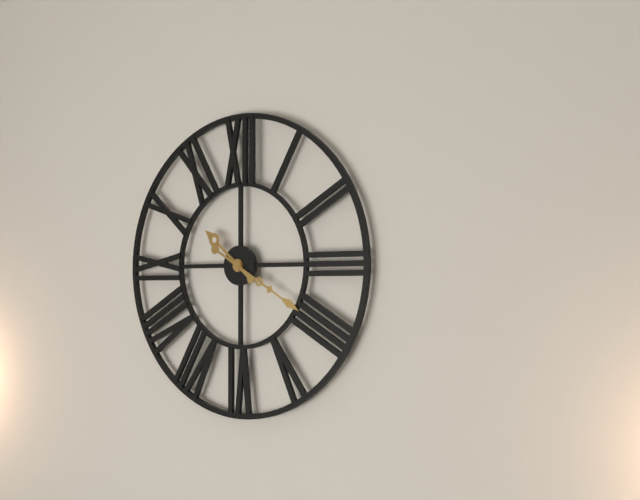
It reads 10.20
